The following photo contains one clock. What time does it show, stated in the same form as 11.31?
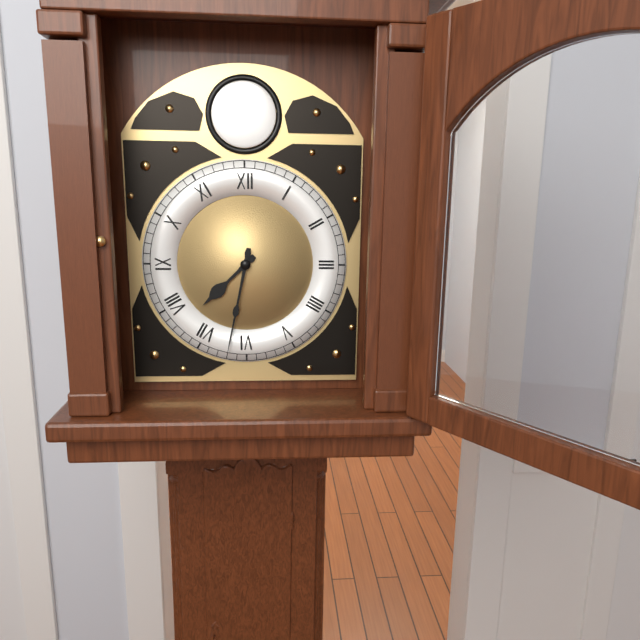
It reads 7.32
